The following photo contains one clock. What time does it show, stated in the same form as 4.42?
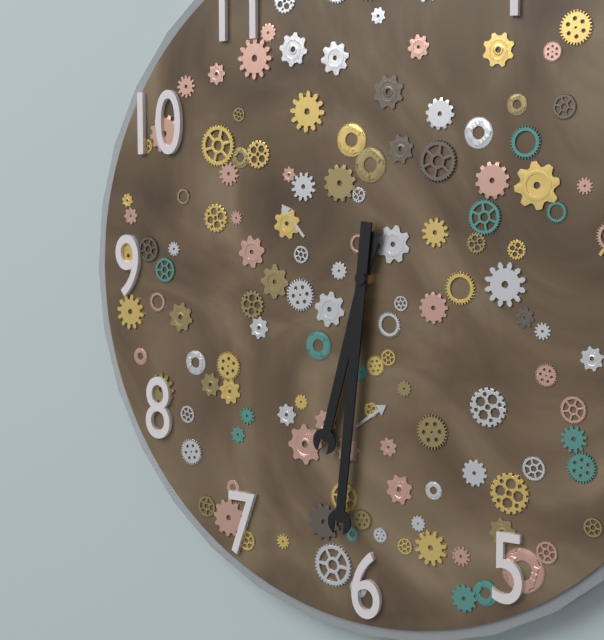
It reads 6.31
